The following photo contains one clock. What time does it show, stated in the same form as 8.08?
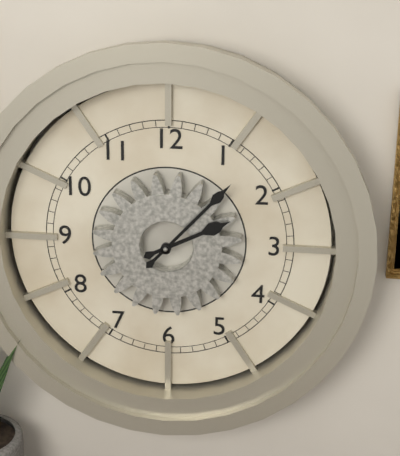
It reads 2.07
